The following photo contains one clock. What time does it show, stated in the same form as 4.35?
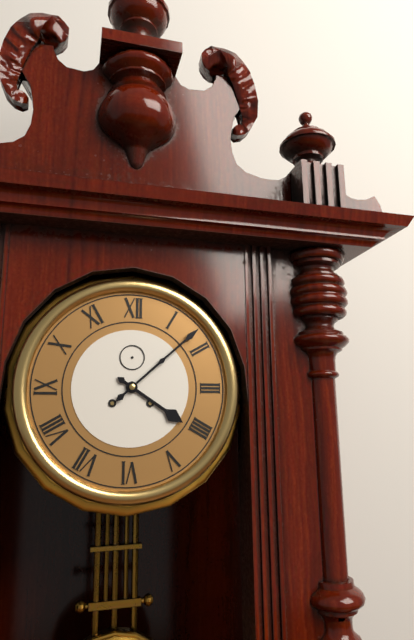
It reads 4.08
